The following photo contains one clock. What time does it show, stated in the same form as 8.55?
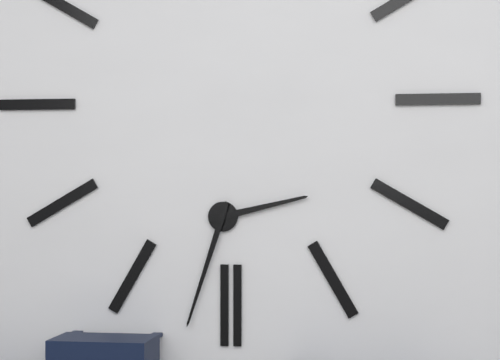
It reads 2.33
